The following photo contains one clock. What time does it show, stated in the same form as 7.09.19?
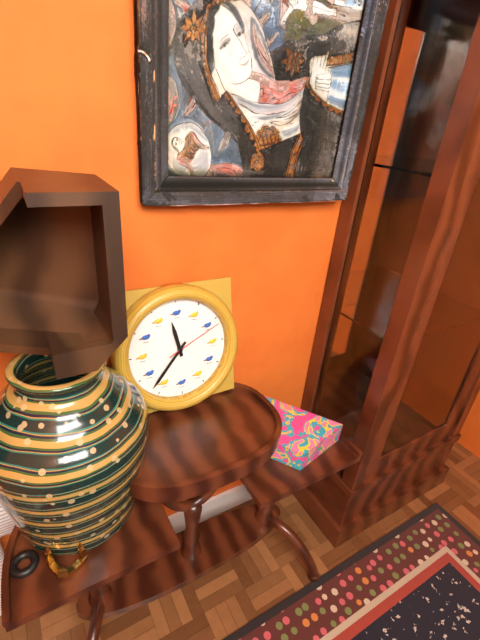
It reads 11.37.11
